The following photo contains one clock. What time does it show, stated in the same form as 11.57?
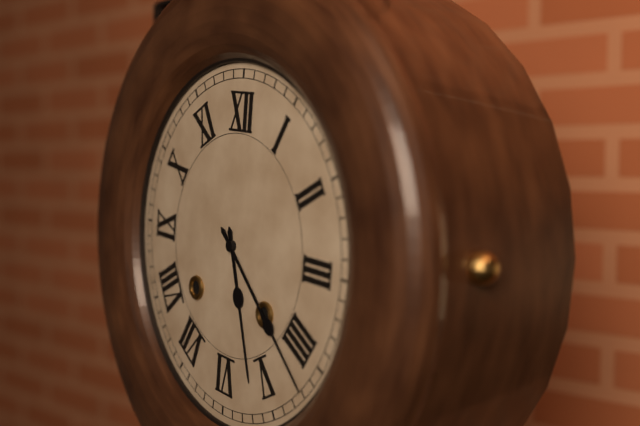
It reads 5.22
